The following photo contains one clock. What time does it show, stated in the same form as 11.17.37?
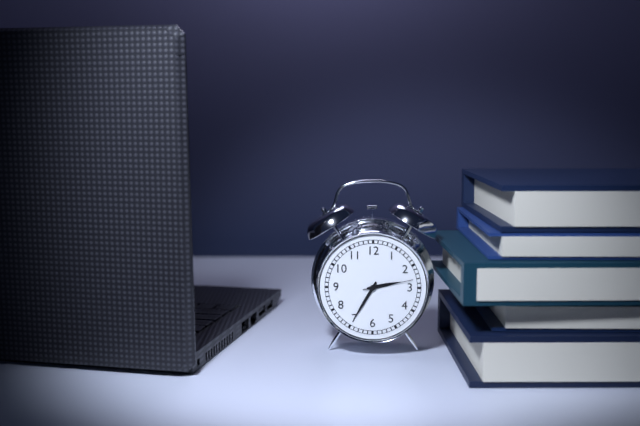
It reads 2.35.13
